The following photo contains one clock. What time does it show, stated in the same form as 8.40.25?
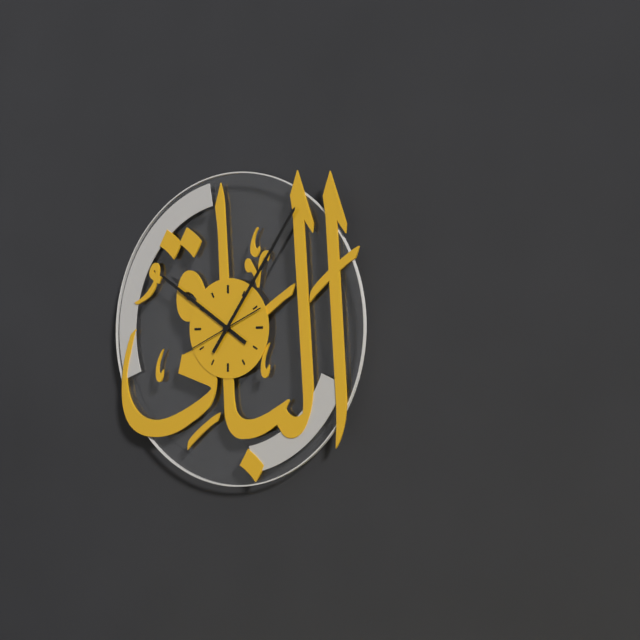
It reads 10.06.41
